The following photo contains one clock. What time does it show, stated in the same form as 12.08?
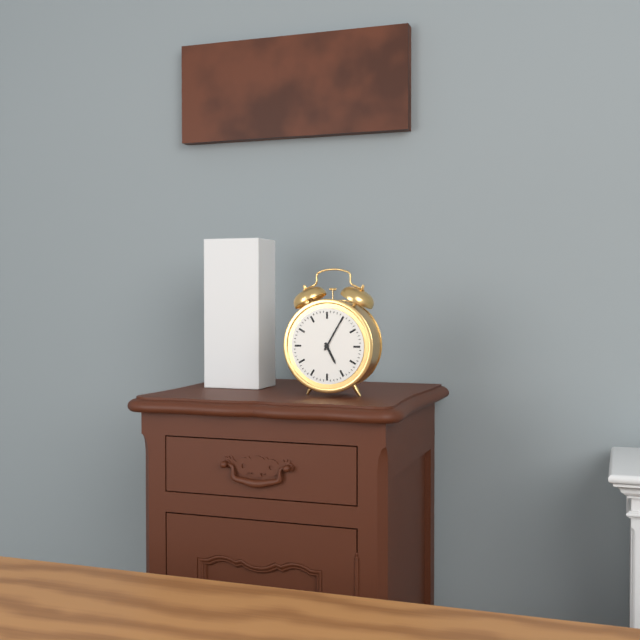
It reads 5.05
